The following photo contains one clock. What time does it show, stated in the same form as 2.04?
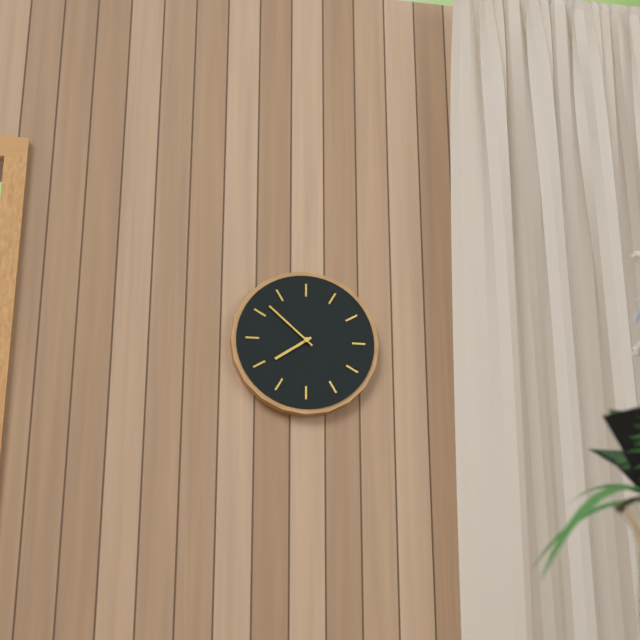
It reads 7.52
